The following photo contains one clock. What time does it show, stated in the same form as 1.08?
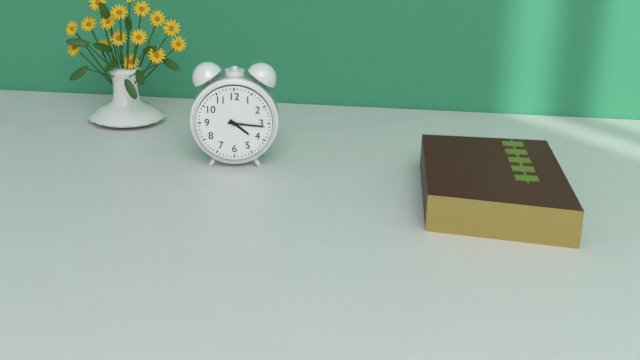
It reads 4.16
